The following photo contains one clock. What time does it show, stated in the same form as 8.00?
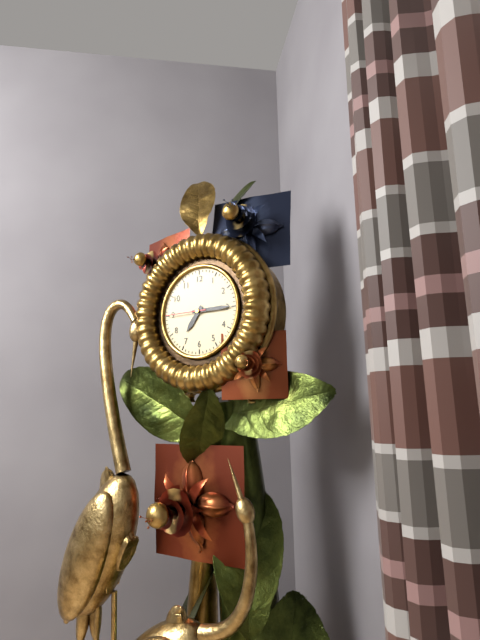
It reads 7.15
